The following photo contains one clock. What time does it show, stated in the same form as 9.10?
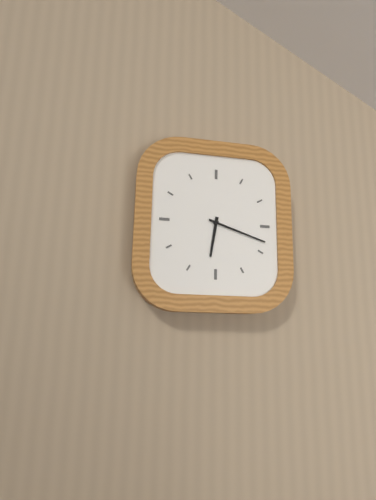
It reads 6.18
